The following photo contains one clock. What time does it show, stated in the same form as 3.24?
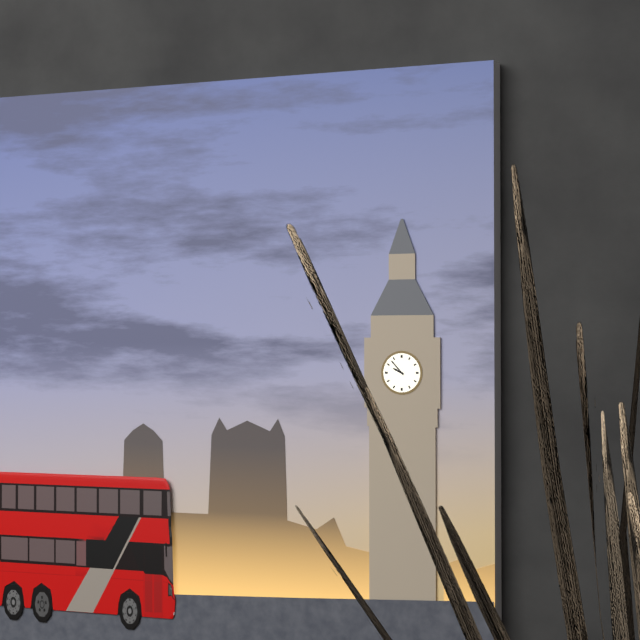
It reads 9.53
